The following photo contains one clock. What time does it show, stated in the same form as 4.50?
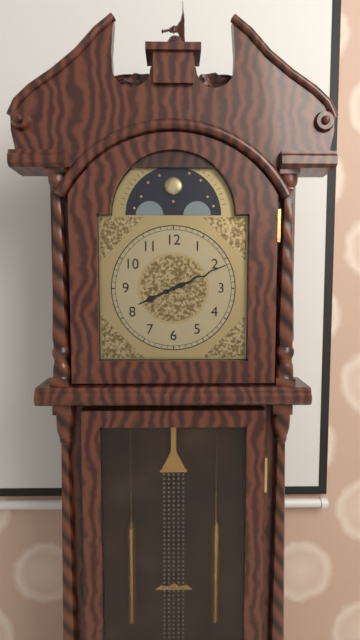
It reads 8.11
